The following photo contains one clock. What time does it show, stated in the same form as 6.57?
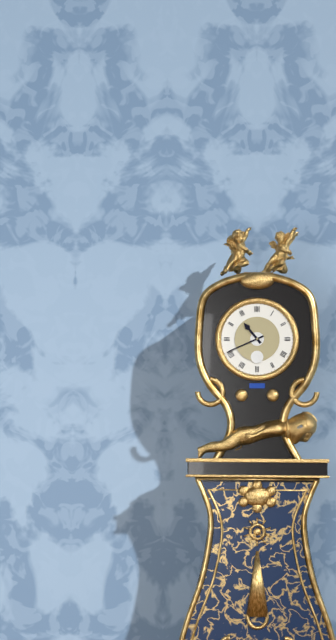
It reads 10.41
